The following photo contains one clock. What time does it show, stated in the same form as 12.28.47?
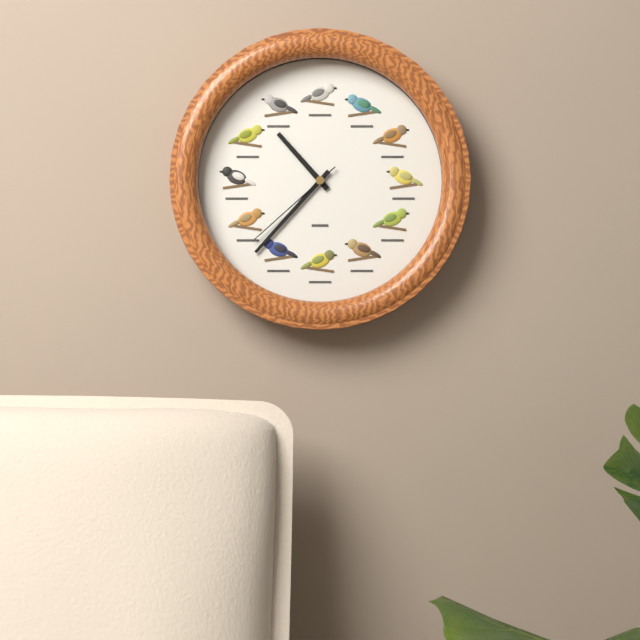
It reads 10.37.38
